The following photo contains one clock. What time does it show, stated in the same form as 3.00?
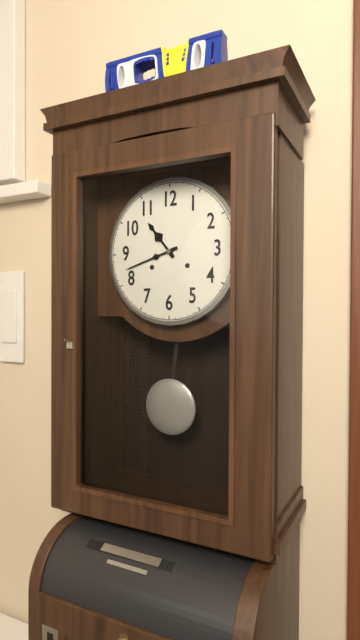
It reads 10.42
